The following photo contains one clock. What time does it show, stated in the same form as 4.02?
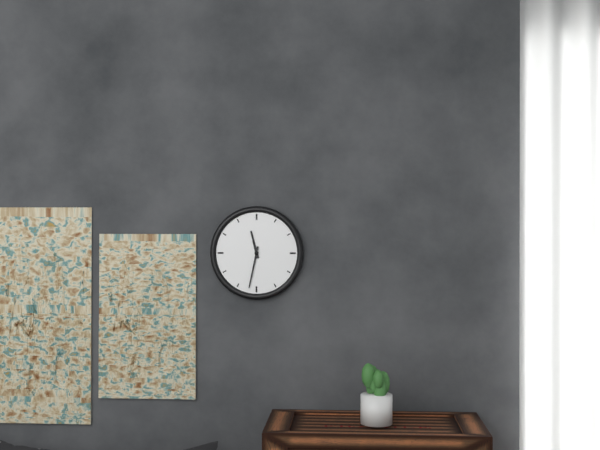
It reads 11.32
